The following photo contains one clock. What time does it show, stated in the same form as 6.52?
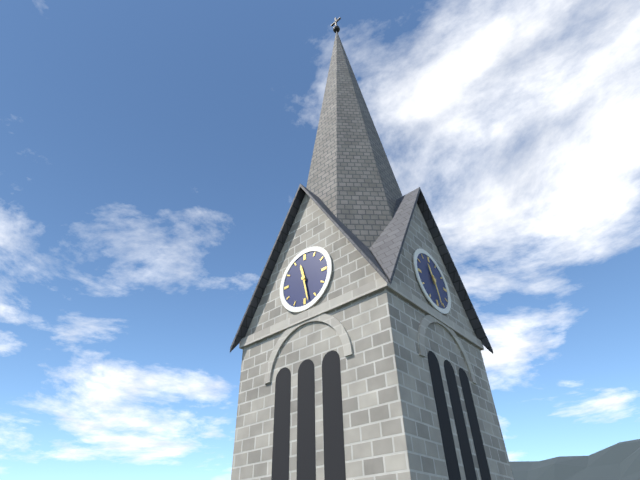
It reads 11.28
